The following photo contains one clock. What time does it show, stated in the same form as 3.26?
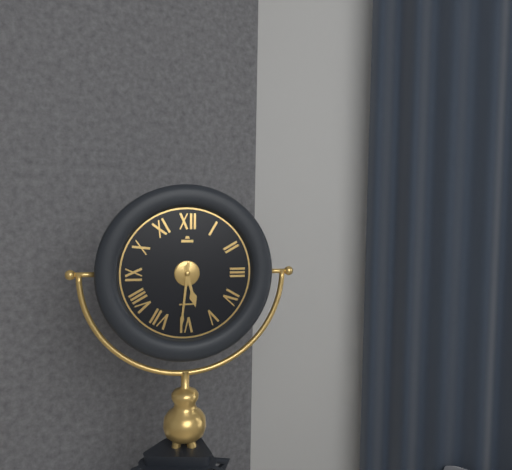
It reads 5.31
